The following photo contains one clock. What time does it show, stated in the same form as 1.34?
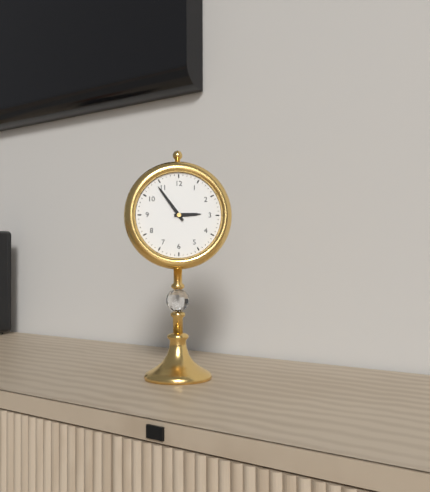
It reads 2.54
